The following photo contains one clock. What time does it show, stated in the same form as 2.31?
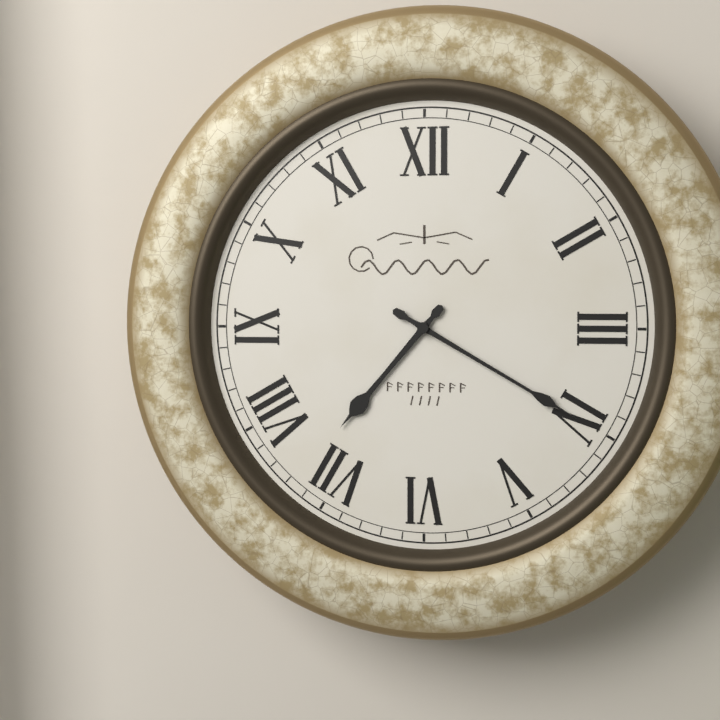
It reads 7.20
